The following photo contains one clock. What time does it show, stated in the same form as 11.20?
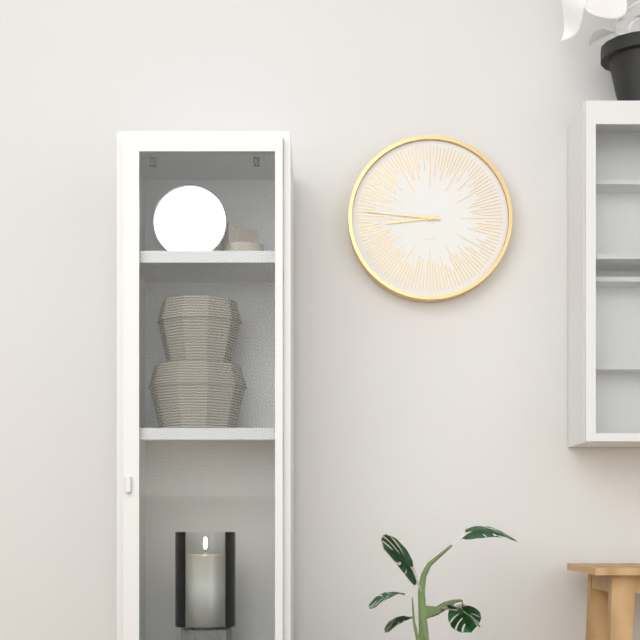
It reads 8.46
